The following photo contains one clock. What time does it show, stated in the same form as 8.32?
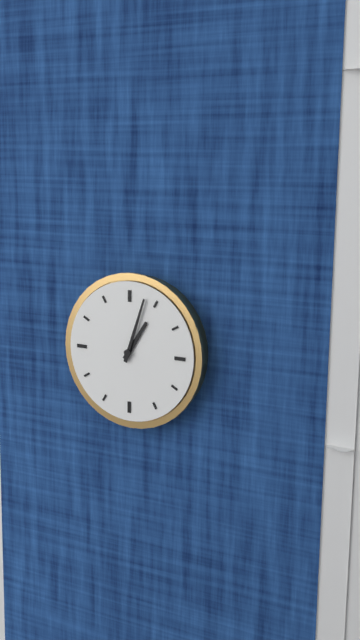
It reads 1.03
